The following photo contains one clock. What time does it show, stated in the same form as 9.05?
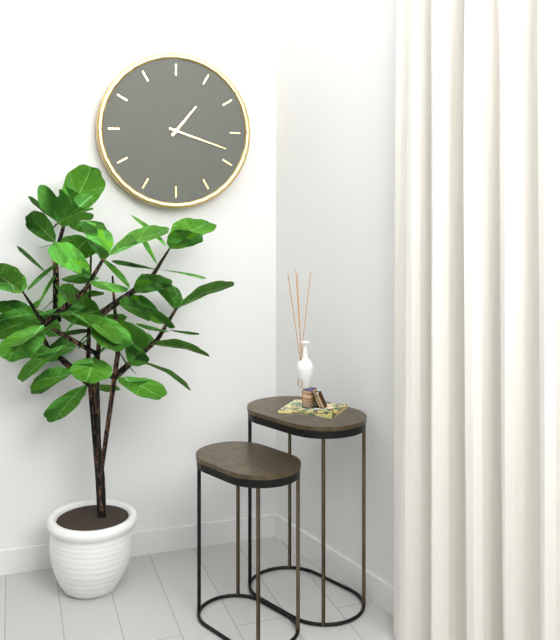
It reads 1.18
